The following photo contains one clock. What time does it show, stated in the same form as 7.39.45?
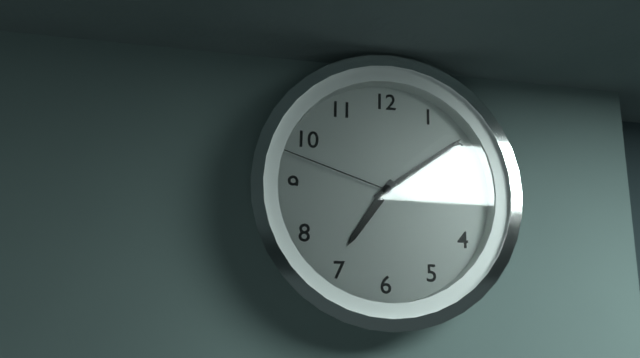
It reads 7.09.48
